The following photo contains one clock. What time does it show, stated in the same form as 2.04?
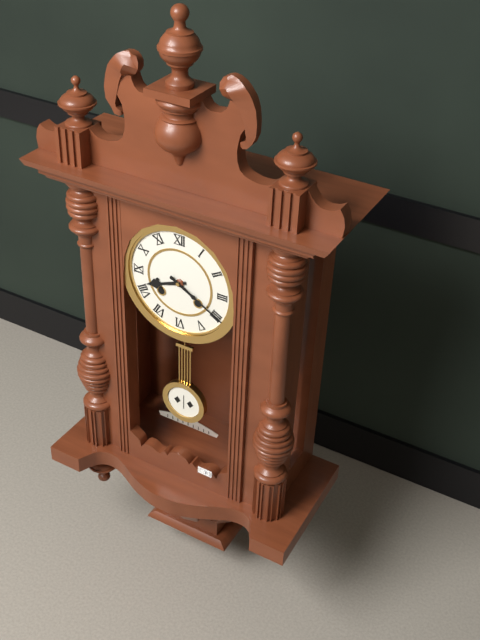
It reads 8.20
